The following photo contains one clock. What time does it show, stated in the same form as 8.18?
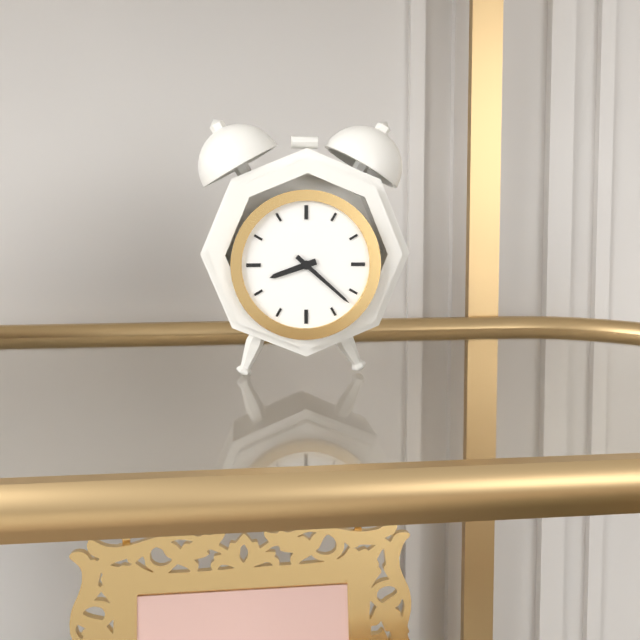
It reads 8.22
